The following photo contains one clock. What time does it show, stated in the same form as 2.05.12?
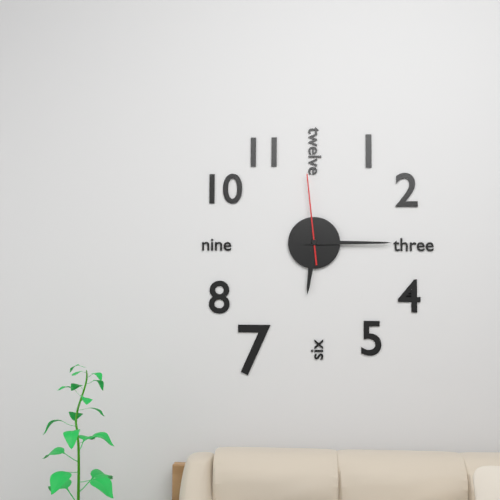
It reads 6.15.59
